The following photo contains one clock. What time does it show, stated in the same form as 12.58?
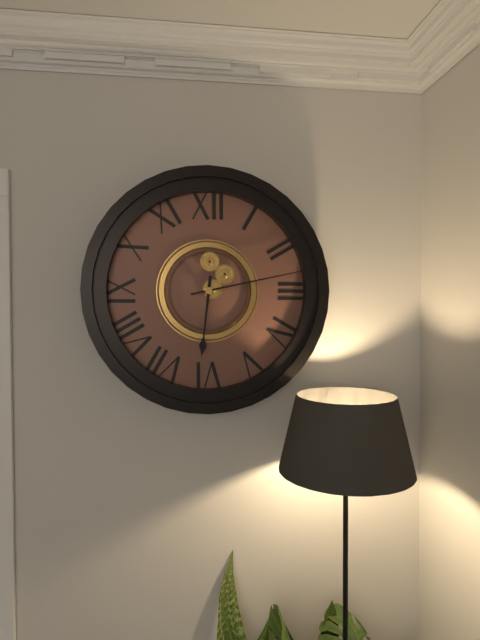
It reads 6.13
